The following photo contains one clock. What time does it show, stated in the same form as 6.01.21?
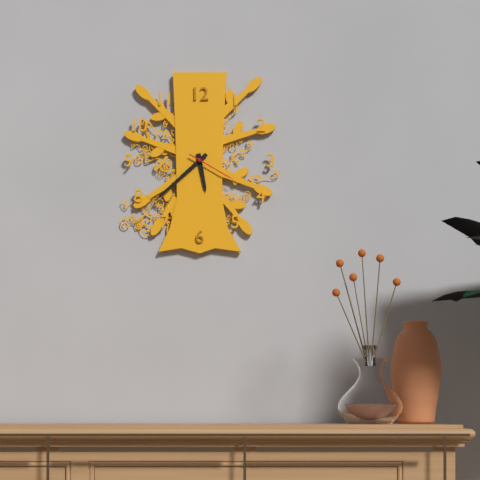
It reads 5.38.20
